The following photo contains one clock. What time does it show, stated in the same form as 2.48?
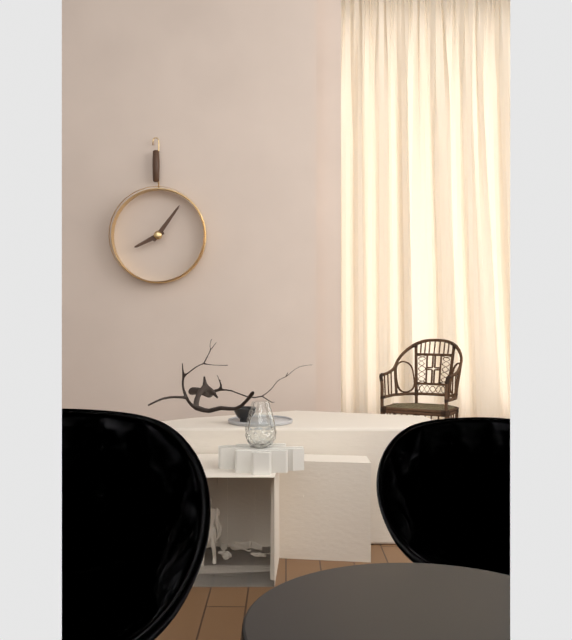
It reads 8.06
